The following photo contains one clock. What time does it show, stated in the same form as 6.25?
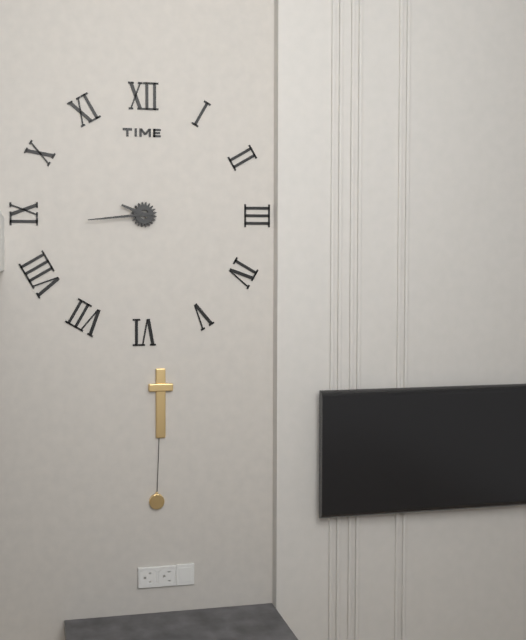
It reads 9.44
